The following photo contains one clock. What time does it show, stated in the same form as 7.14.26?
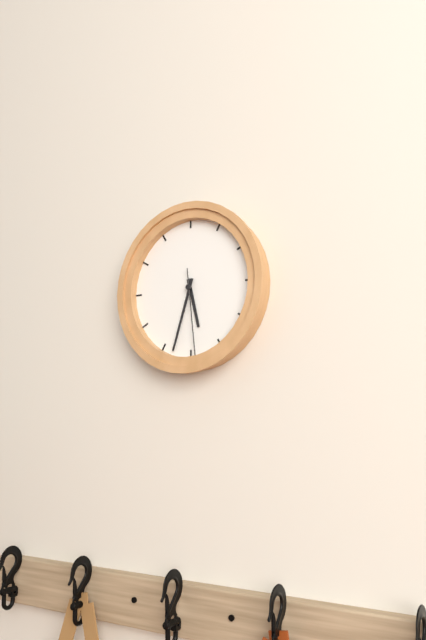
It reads 5.33.29
